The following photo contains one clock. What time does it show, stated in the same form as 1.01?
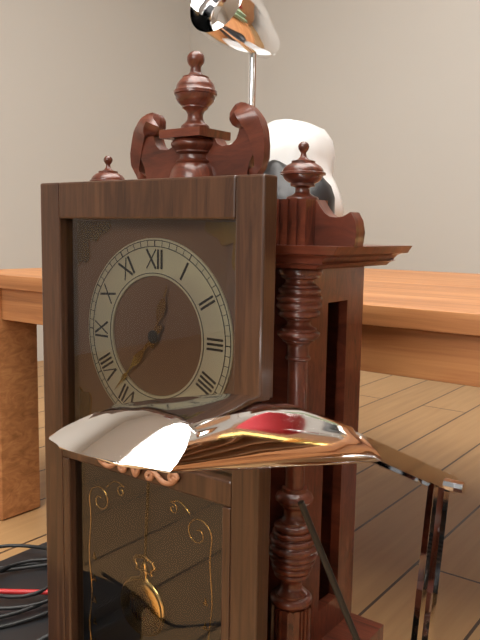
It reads 12.37
